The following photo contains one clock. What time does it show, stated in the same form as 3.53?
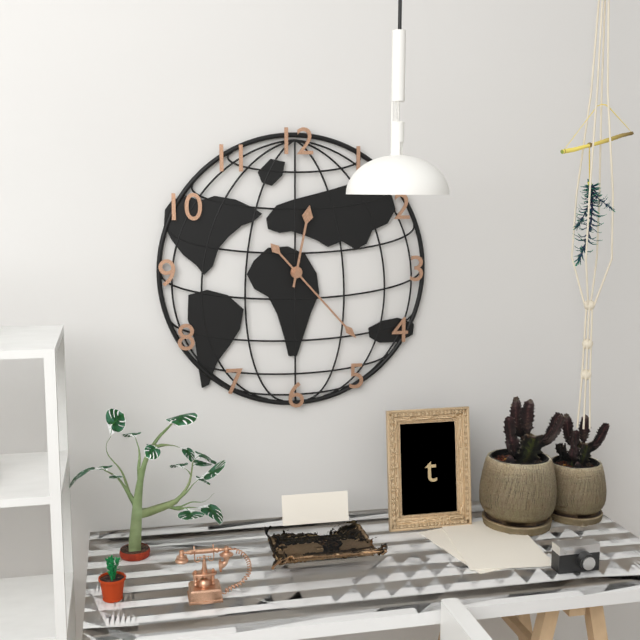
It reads 12.23
